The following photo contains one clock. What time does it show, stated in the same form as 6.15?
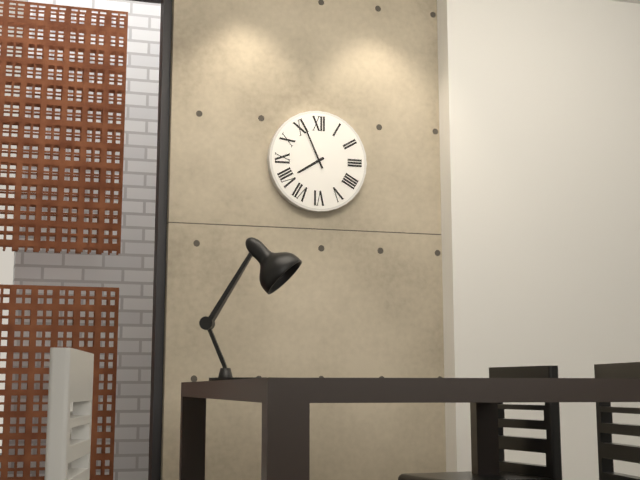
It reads 7.56
